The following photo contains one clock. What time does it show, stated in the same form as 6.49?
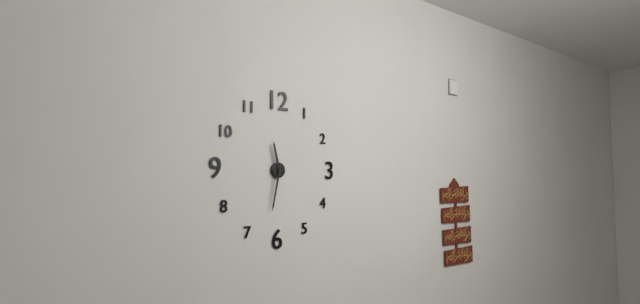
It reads 11.32
